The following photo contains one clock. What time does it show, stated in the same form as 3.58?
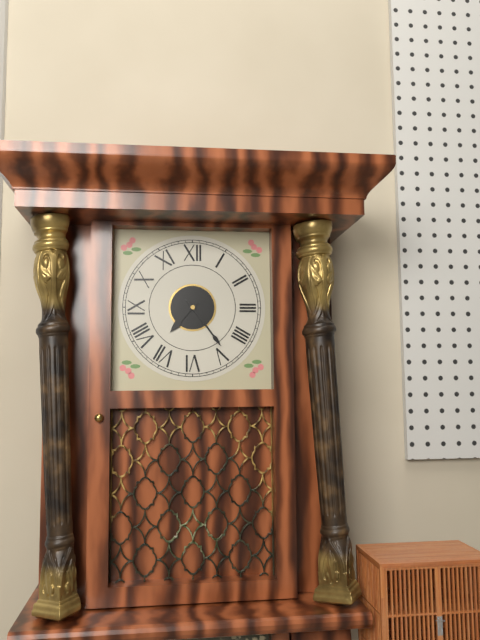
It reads 7.24
